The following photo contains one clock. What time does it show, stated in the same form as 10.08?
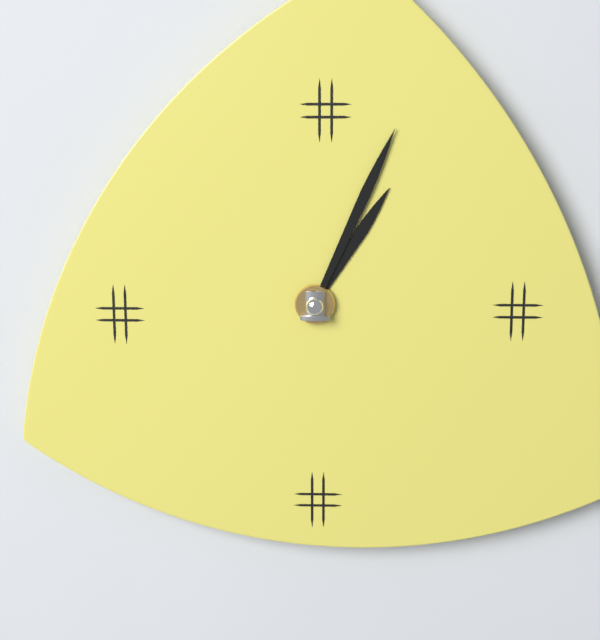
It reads 1.04
